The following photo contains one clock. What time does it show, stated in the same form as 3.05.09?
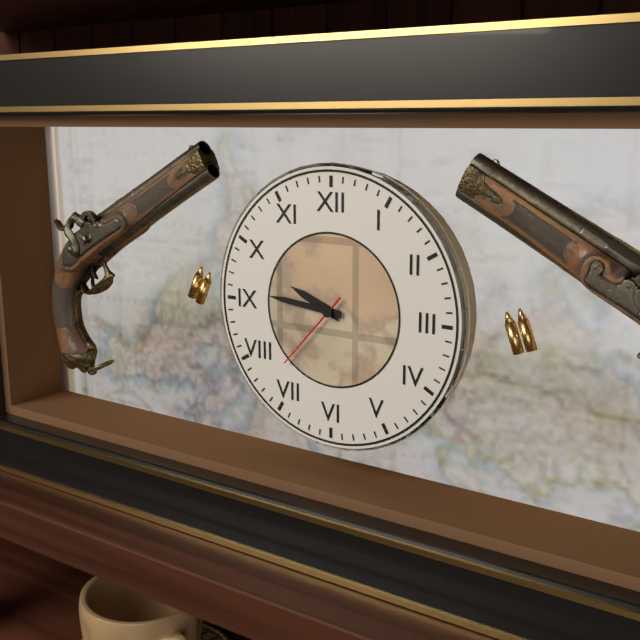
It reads 9.46.37
